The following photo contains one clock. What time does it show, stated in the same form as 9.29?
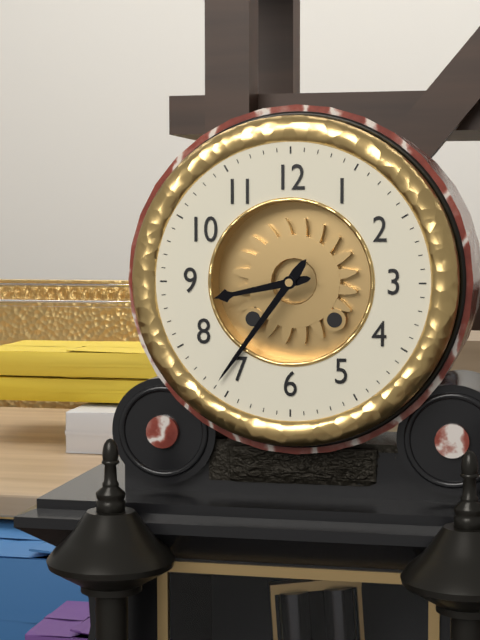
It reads 8.36
